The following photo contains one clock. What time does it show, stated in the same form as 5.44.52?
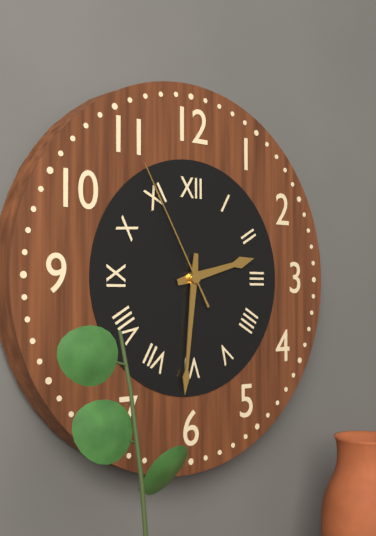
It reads 2.31.55
